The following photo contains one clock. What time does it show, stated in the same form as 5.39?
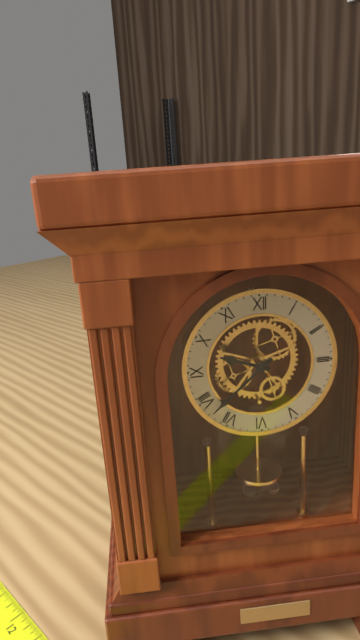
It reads 9.38
